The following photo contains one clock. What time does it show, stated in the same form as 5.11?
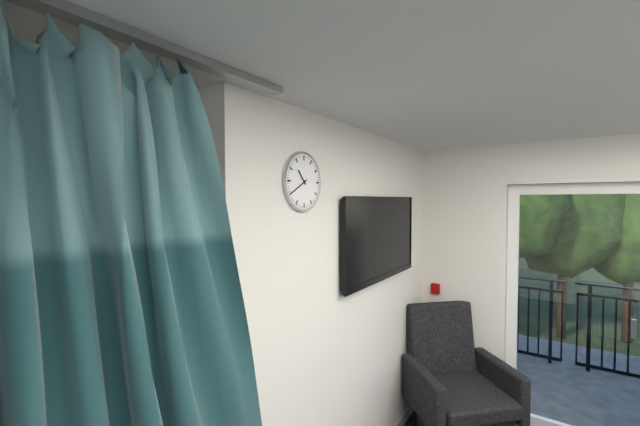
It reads 10.40
